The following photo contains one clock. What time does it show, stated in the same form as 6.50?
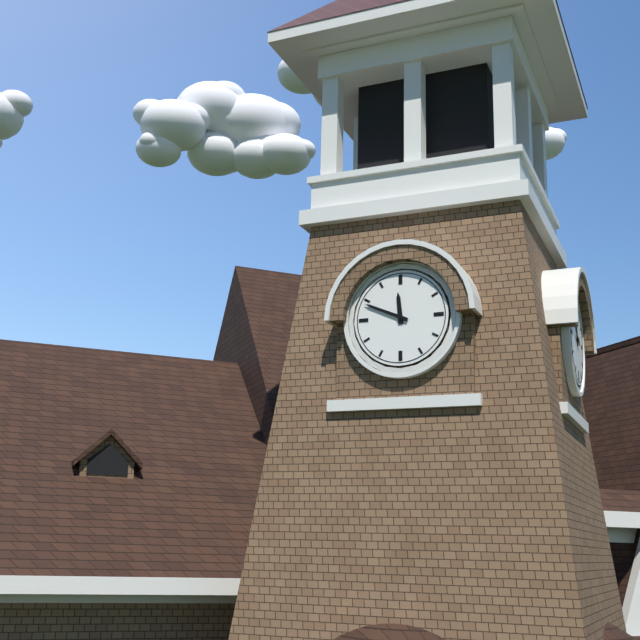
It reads 11.49
